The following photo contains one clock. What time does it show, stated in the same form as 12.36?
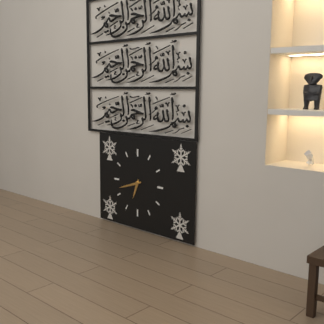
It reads 6.42
